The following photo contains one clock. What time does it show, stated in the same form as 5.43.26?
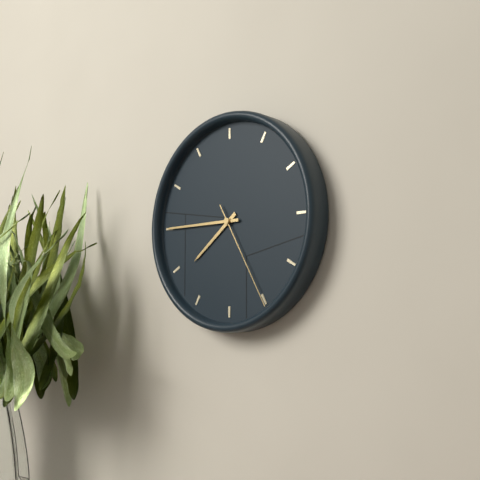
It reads 7.45.25
